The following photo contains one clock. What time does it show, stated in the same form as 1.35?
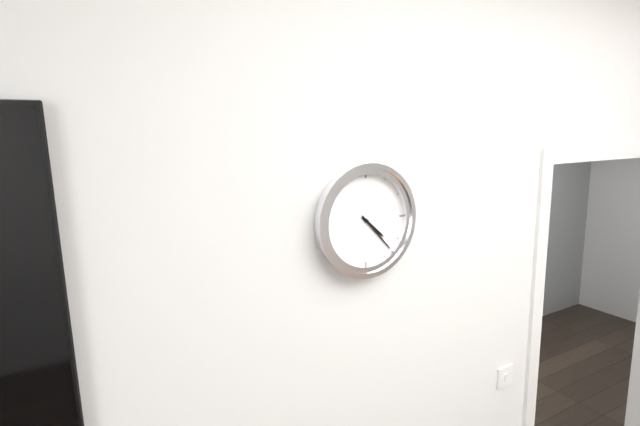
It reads 4.23
